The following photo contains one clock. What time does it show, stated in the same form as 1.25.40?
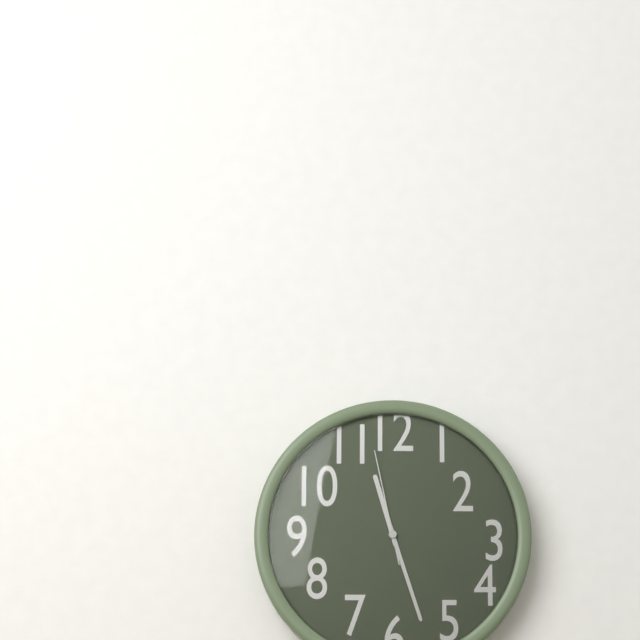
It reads 11.27.58
